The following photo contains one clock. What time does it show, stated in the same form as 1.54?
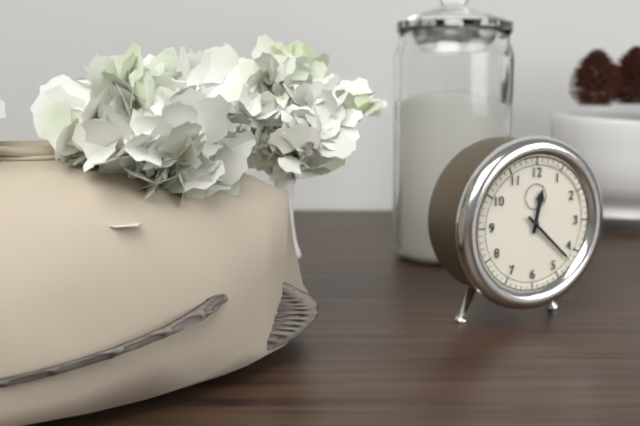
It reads 12.22
